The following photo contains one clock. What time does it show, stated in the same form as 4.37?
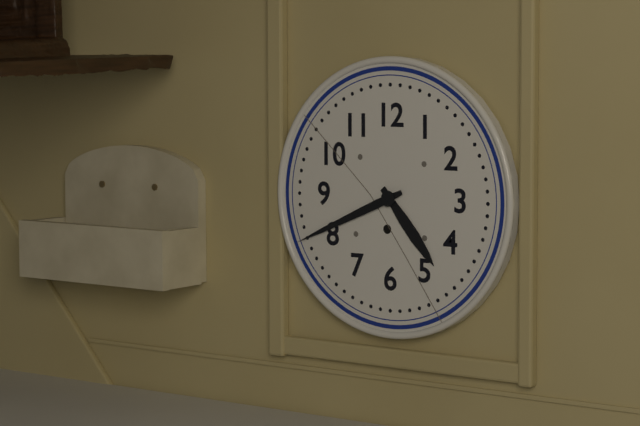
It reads 4.41
